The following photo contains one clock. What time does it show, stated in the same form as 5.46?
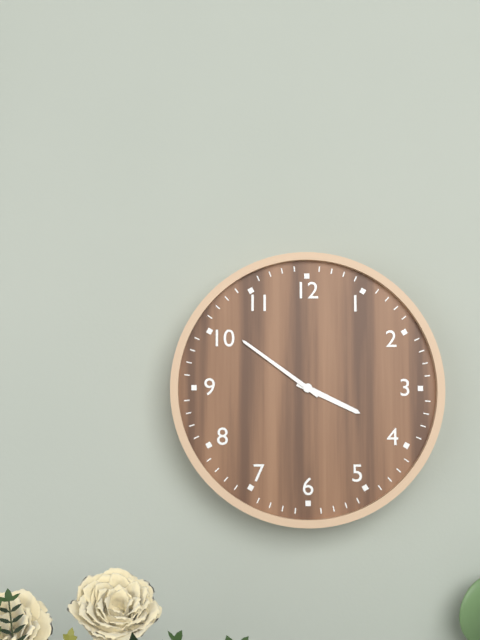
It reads 3.51
